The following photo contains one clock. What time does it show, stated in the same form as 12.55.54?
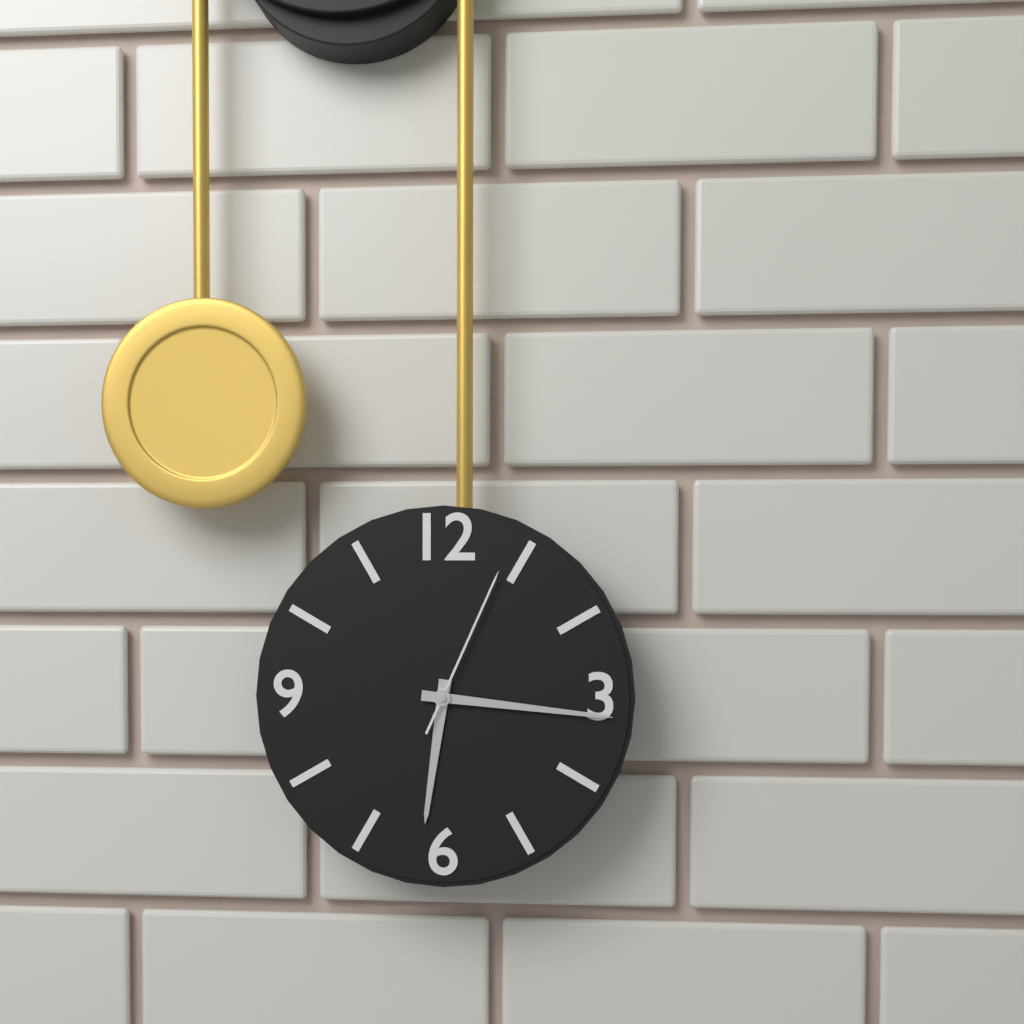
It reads 6.16.04
